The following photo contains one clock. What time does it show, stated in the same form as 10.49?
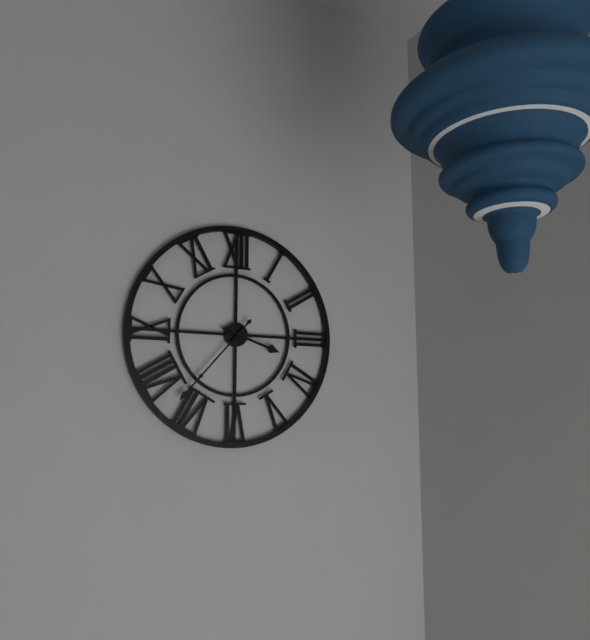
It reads 3.37
